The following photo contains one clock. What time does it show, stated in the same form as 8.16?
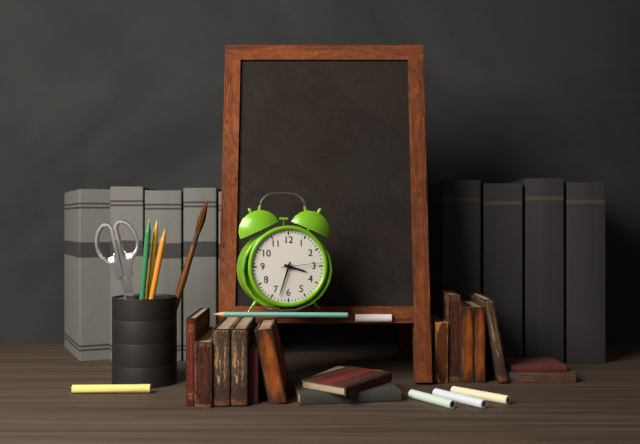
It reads 3.33
